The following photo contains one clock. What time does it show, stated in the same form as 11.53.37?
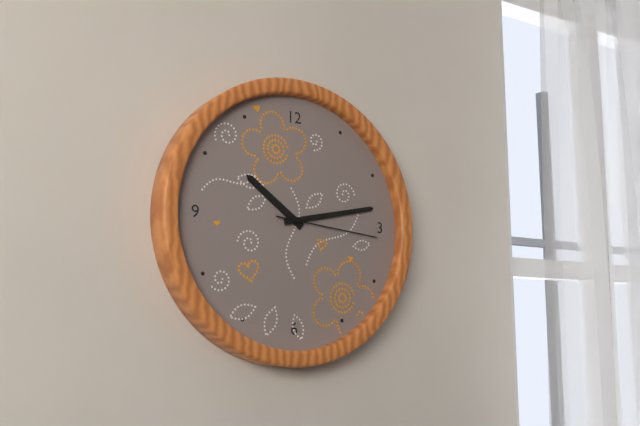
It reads 10.13.16
